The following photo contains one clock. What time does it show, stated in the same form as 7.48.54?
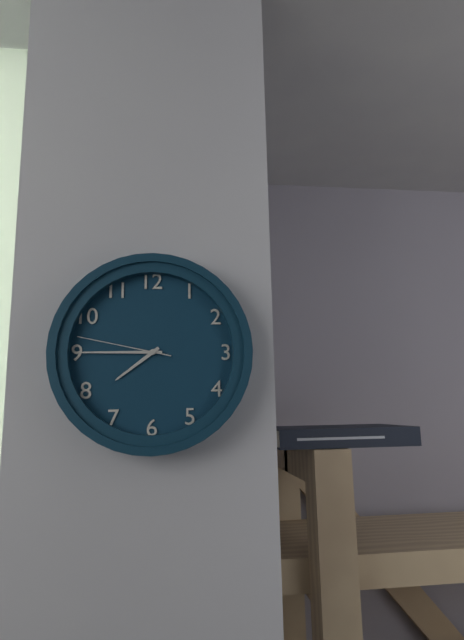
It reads 7.45.47
